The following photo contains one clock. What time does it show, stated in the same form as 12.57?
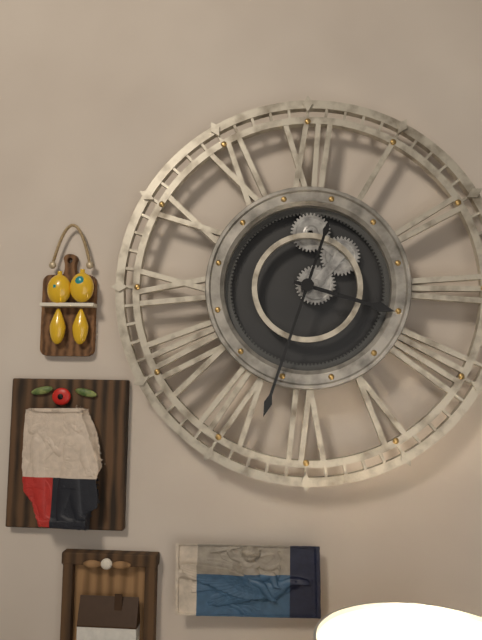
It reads 3.33
